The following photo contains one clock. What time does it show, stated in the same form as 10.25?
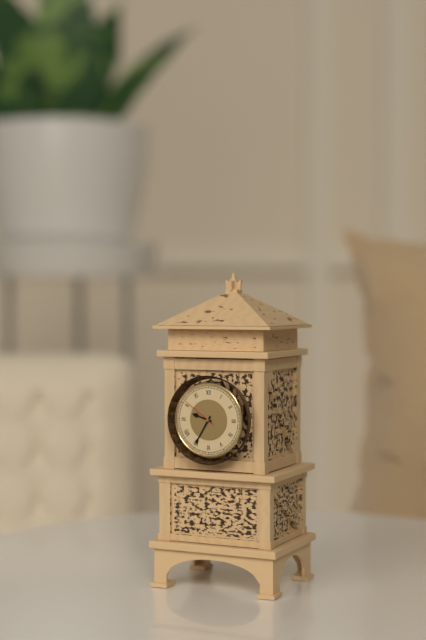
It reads 9.35
